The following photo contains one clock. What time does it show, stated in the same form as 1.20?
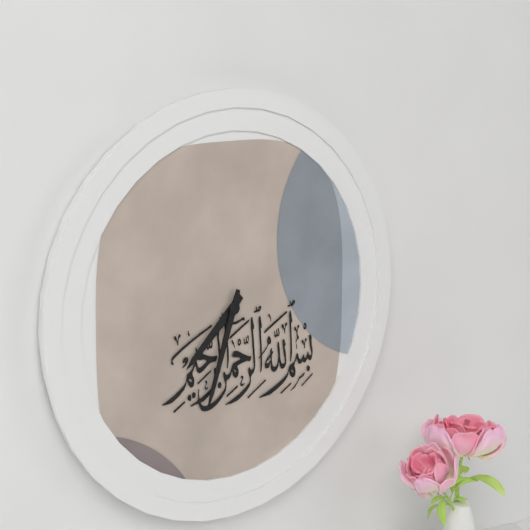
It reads 7.33
